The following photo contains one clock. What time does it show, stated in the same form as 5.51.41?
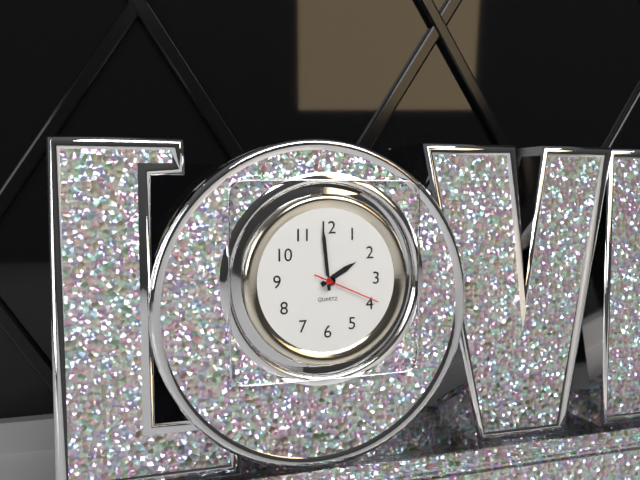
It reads 1.59.19
